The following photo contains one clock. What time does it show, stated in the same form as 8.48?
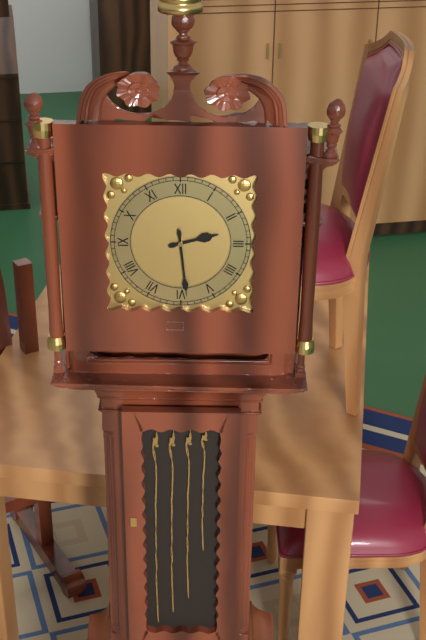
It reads 2.29
